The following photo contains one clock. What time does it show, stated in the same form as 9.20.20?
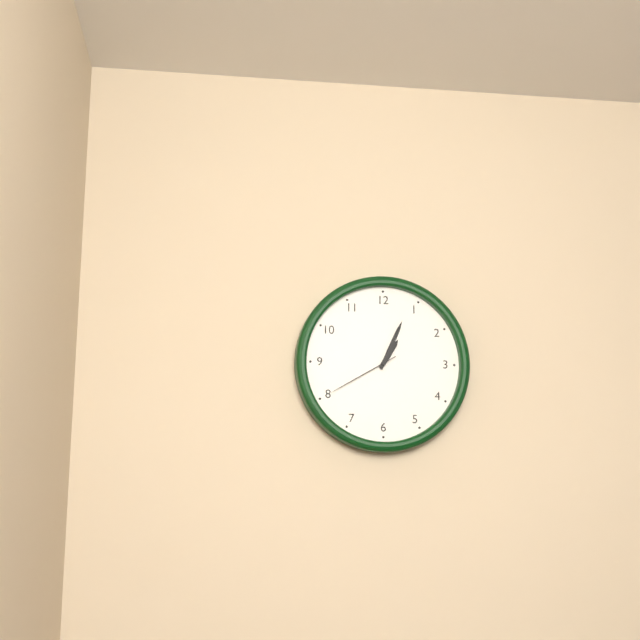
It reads 1.04.40
